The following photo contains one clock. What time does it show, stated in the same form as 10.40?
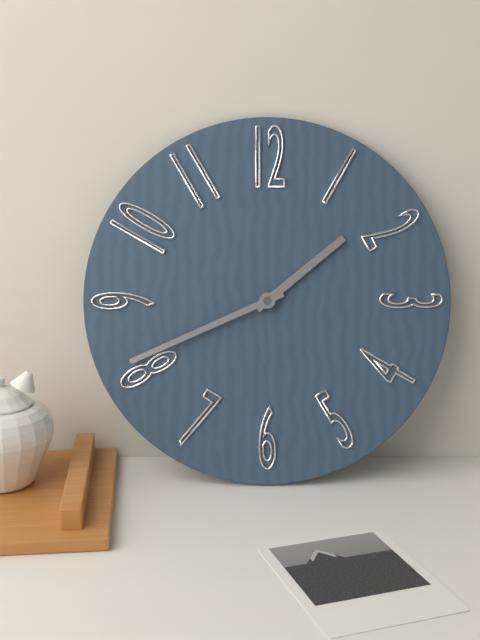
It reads 1.41
